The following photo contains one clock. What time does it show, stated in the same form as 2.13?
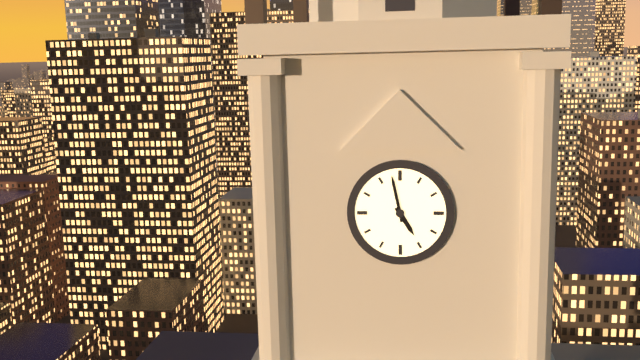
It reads 4.58
